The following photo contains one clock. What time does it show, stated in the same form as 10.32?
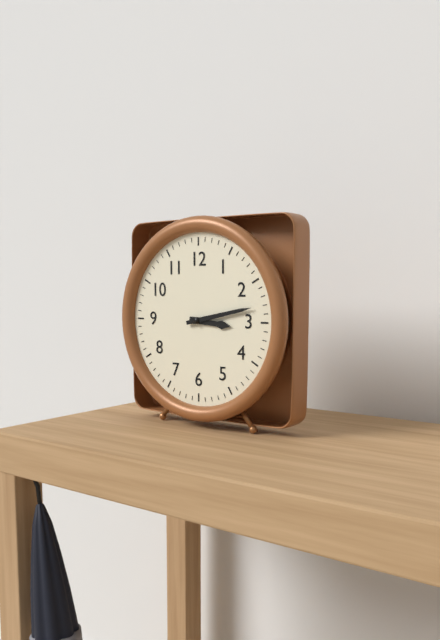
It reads 3.13
